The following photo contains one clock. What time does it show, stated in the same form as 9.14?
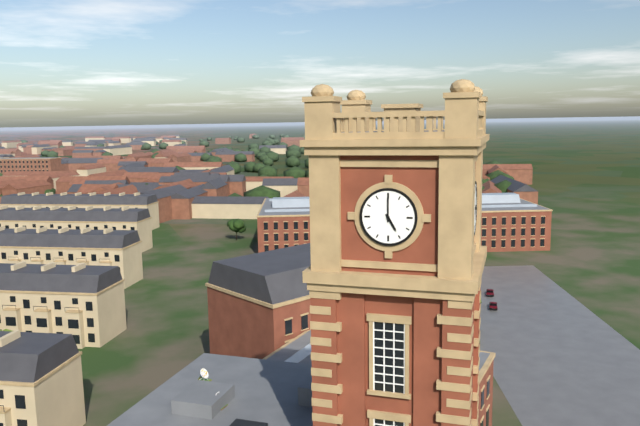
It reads 5.00
